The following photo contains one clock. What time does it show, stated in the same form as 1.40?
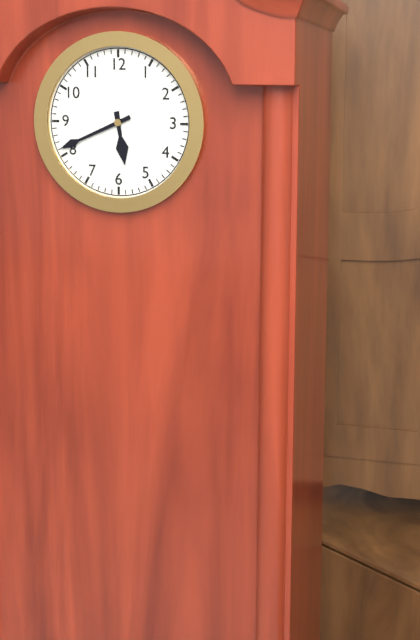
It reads 5.41
